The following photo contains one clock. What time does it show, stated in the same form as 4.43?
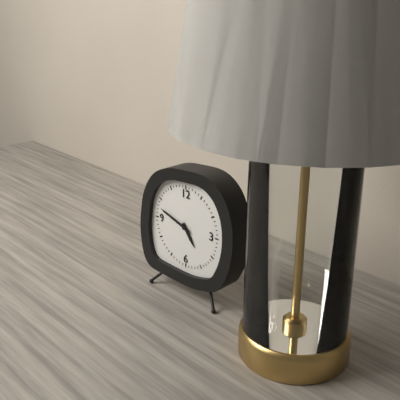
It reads 4.48
